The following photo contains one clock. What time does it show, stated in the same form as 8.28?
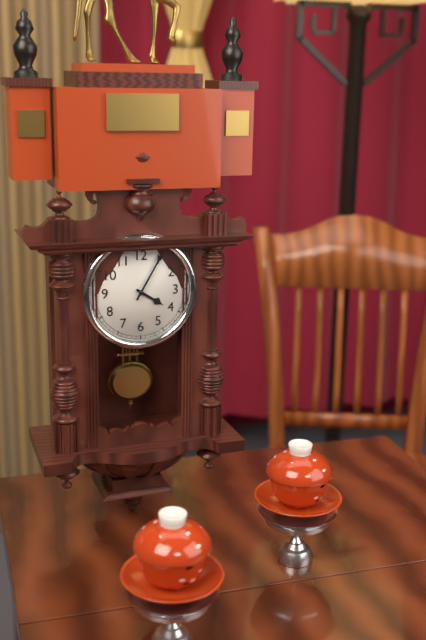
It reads 4.05
